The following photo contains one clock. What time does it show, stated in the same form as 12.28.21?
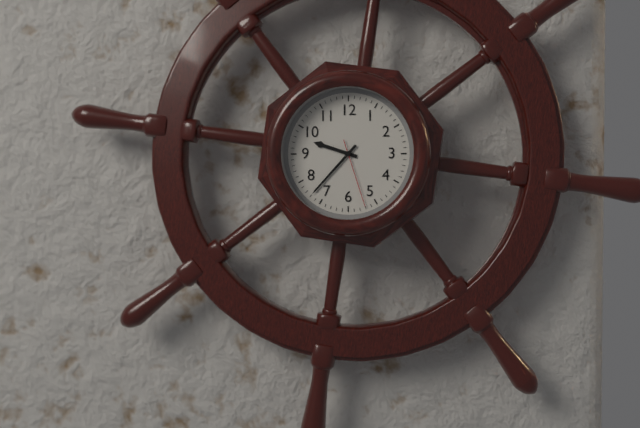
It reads 9.37.27
